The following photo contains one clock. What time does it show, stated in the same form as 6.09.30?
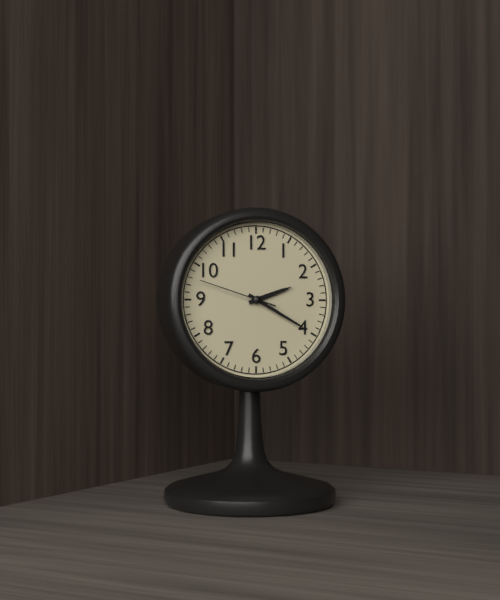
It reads 2.20.48
